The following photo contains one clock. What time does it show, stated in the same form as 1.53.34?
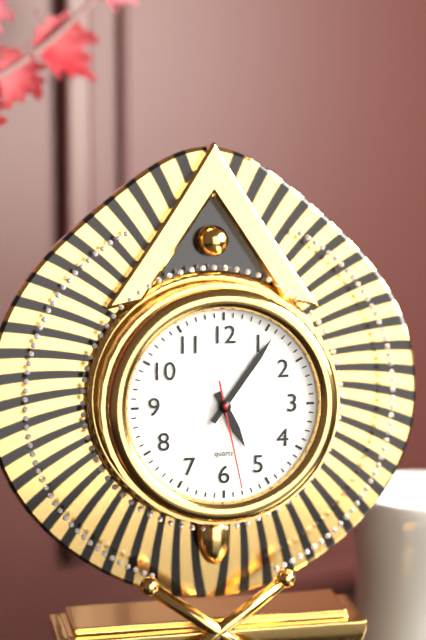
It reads 5.06.28
